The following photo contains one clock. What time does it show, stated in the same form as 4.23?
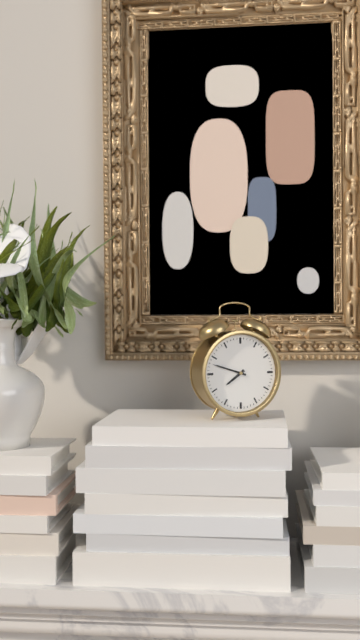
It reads 7.48
